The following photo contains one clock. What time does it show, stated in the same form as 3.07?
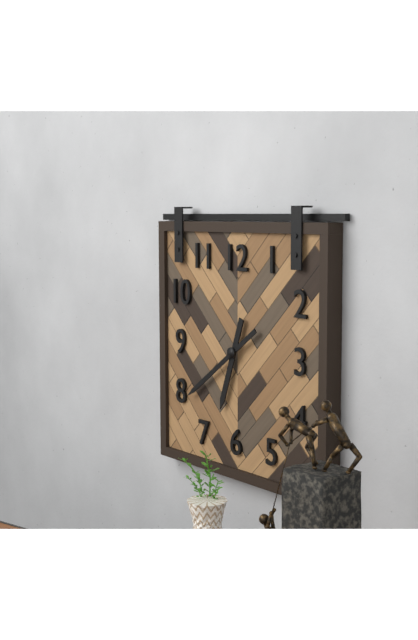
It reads 6.39
